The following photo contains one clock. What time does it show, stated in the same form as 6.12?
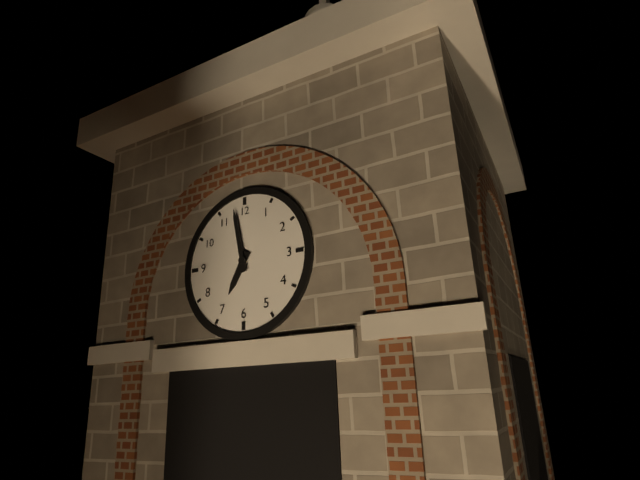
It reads 6.58
